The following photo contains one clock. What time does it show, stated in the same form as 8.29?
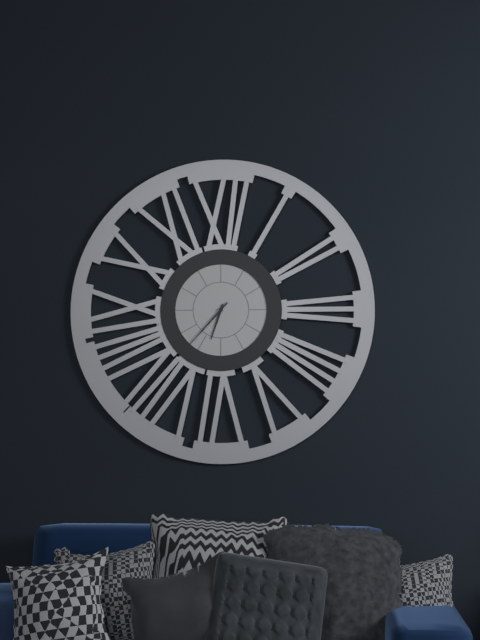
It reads 6.37
